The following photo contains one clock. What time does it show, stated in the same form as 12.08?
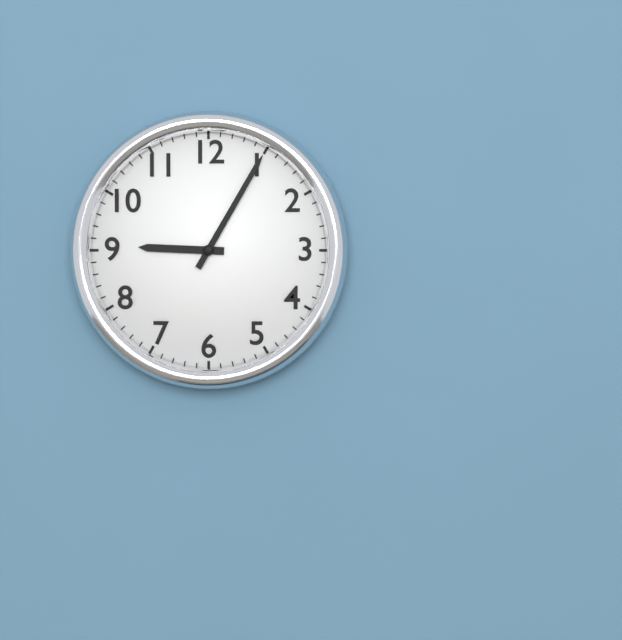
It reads 9.05
